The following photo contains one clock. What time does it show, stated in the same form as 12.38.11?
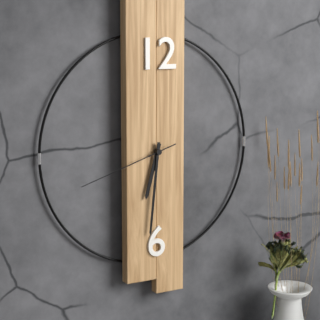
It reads 6.31.42
